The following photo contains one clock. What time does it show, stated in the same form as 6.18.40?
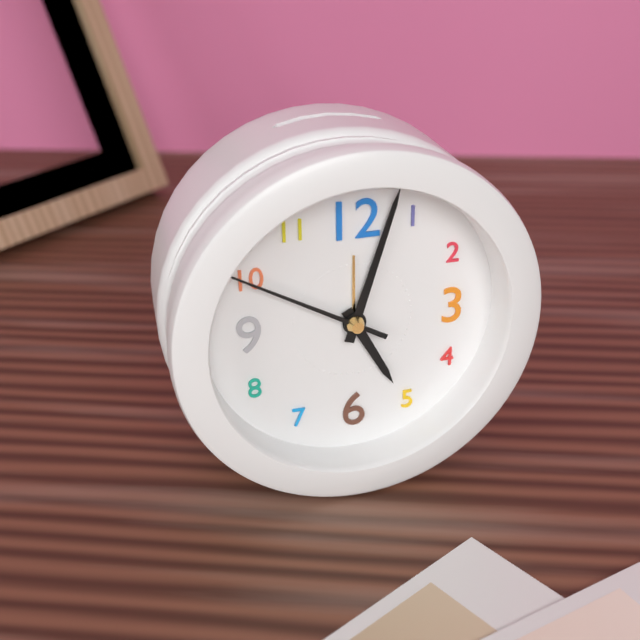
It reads 5.03.50
